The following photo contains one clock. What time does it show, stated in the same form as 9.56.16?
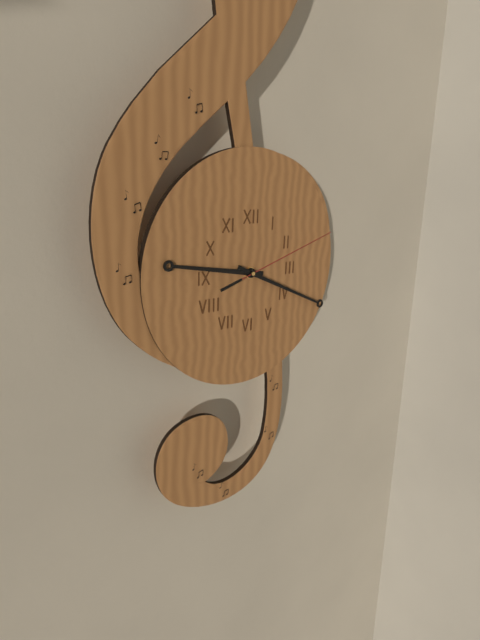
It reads 9.19.12
